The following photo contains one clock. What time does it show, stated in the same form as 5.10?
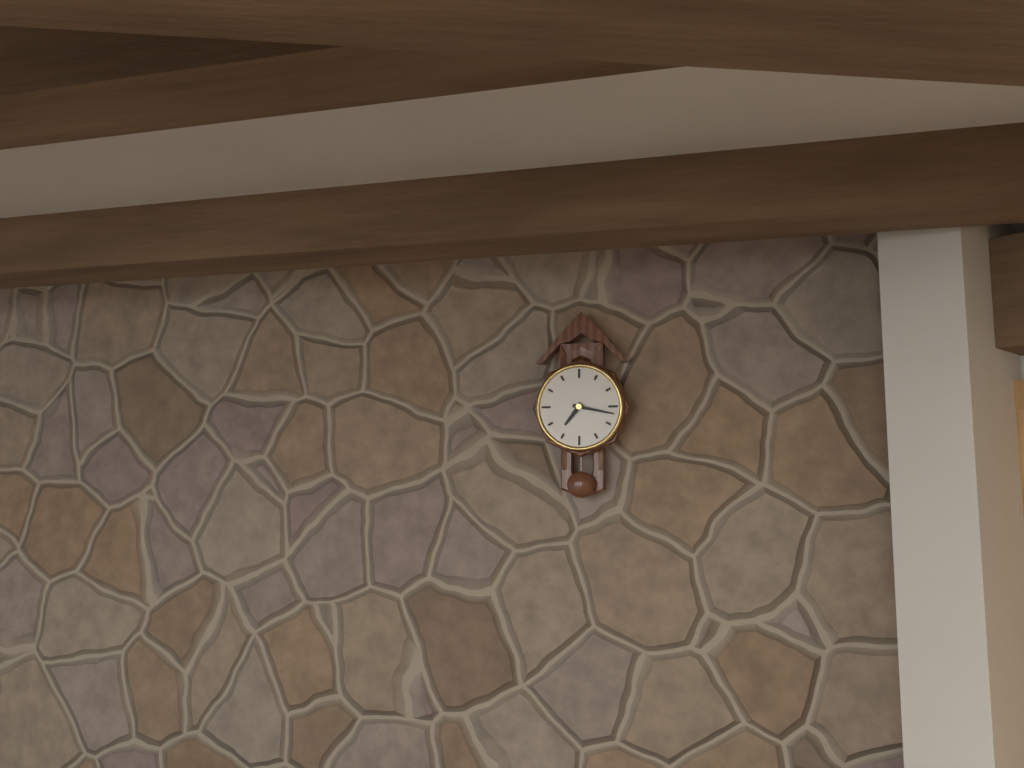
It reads 7.17
